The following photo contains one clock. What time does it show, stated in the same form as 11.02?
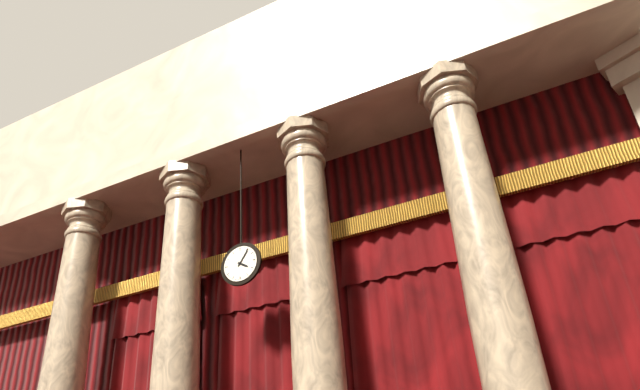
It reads 4.06
